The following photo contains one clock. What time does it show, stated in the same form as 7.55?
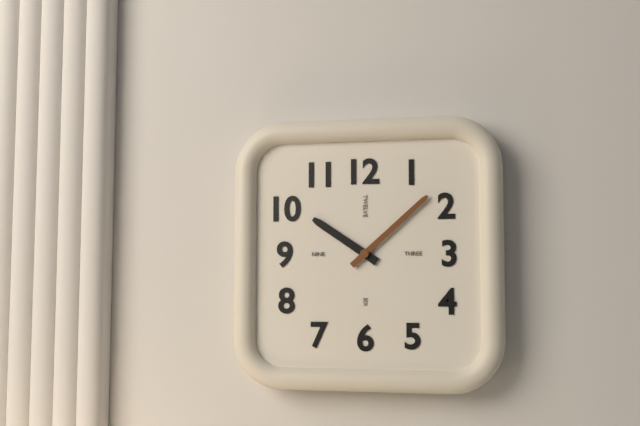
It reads 10.08
